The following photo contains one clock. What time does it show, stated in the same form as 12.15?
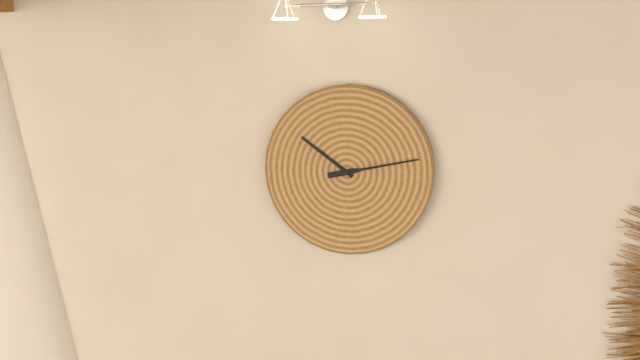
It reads 10.13
